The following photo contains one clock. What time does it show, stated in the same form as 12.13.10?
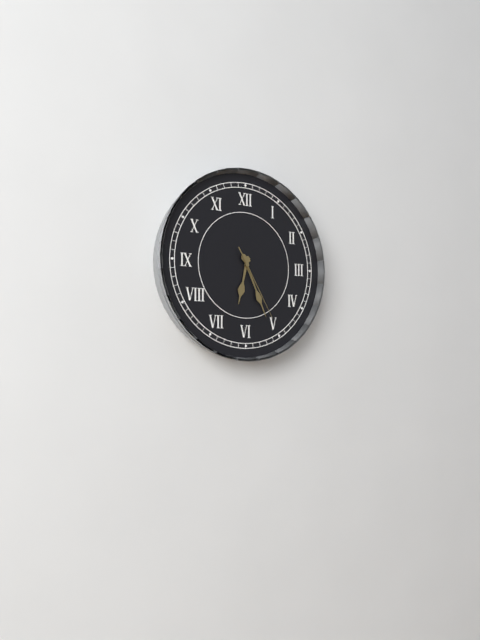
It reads 6.26.25
